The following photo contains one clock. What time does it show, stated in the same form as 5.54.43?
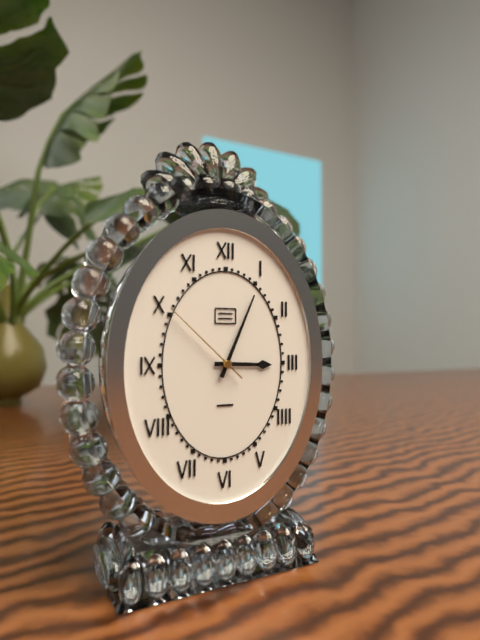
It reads 3.04.52
